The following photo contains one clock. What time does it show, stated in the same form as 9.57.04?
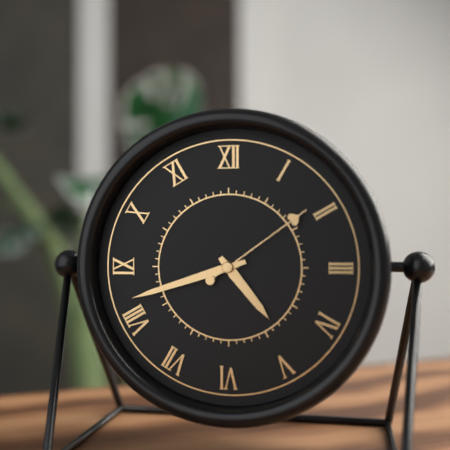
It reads 4.42.09
